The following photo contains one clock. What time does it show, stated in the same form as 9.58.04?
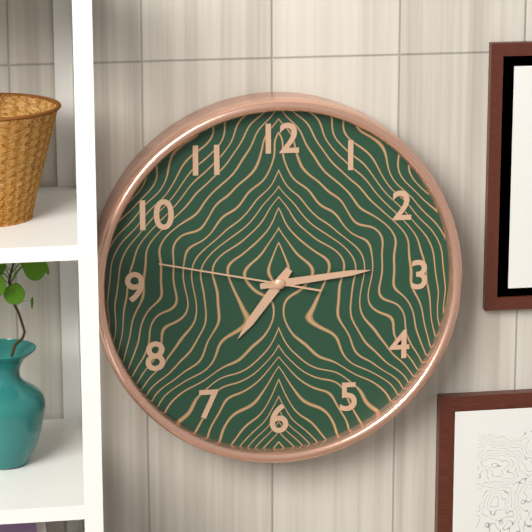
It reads 7.14.47
